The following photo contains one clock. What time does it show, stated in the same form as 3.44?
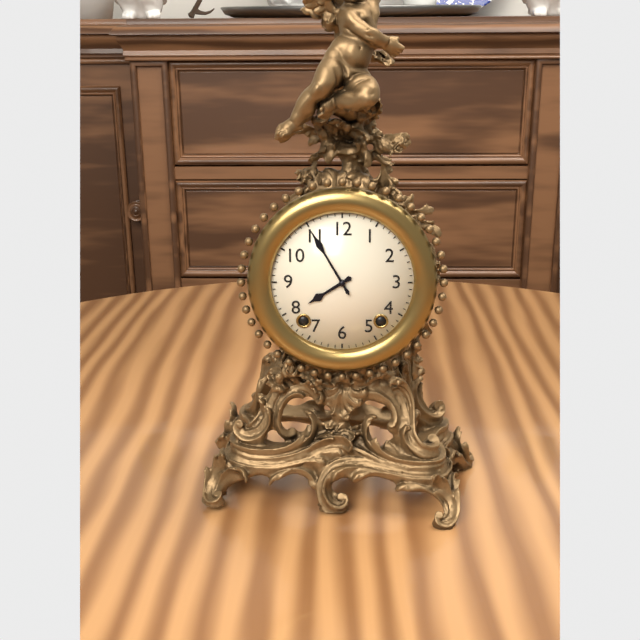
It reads 7.55
